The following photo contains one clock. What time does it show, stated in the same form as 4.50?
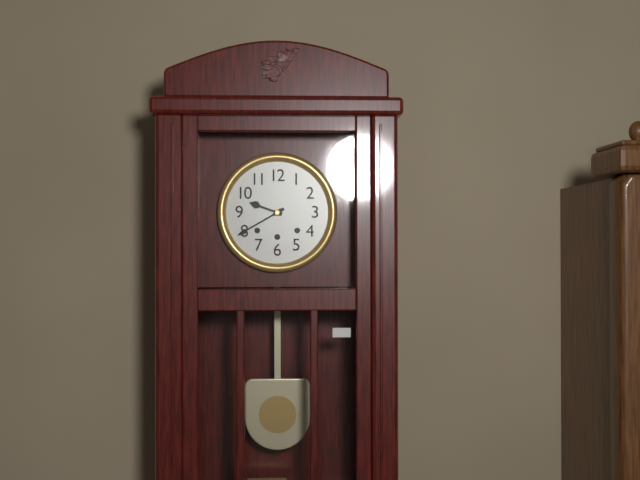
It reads 9.40
